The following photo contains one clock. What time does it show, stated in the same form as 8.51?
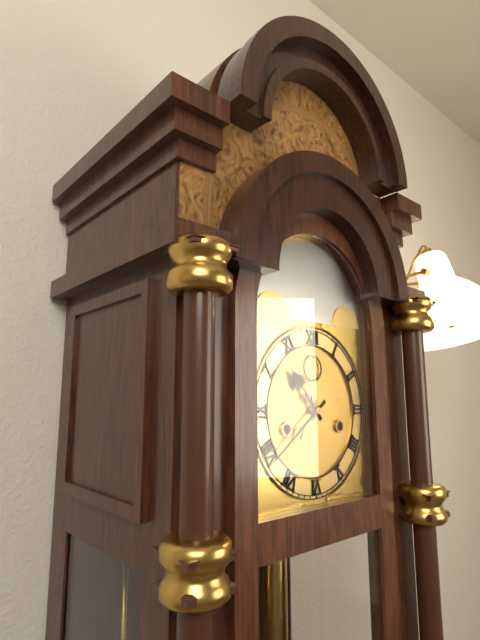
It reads 10.39
